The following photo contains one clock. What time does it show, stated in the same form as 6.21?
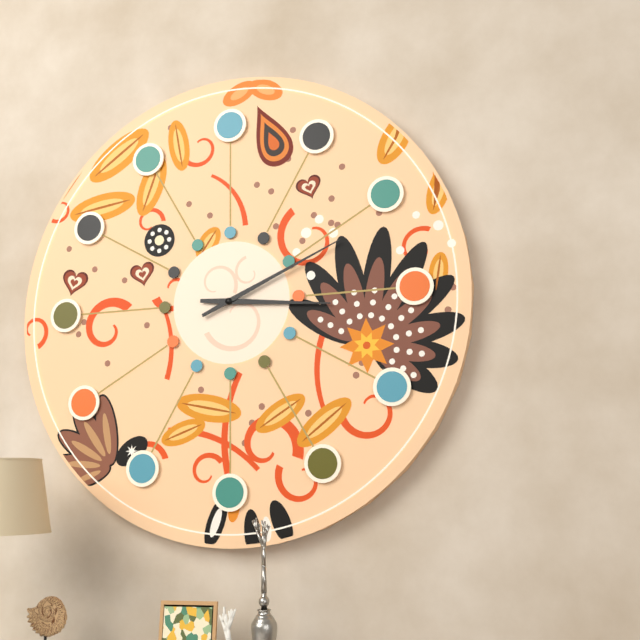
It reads 3.11
